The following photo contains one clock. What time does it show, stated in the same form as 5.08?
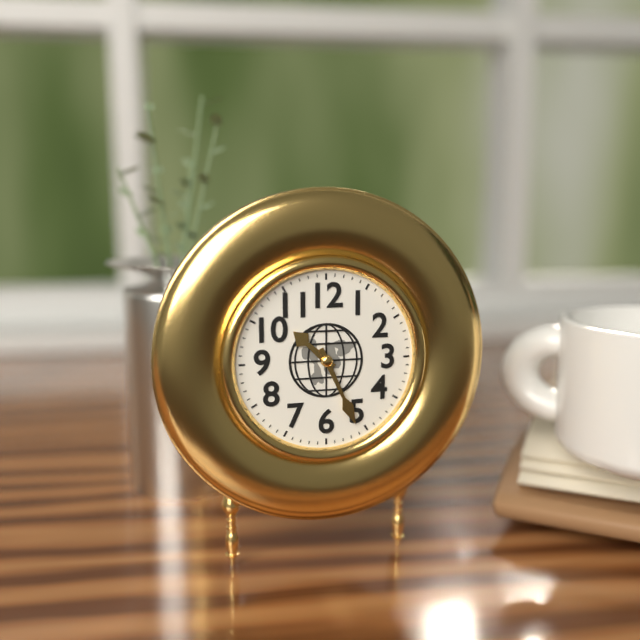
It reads 10.26
